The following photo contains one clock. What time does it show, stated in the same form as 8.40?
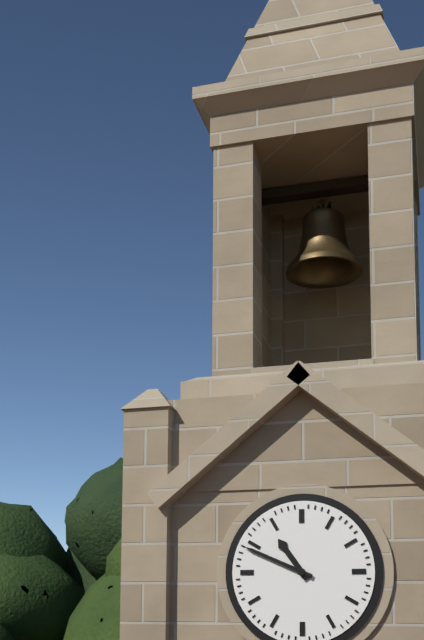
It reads 10.49
